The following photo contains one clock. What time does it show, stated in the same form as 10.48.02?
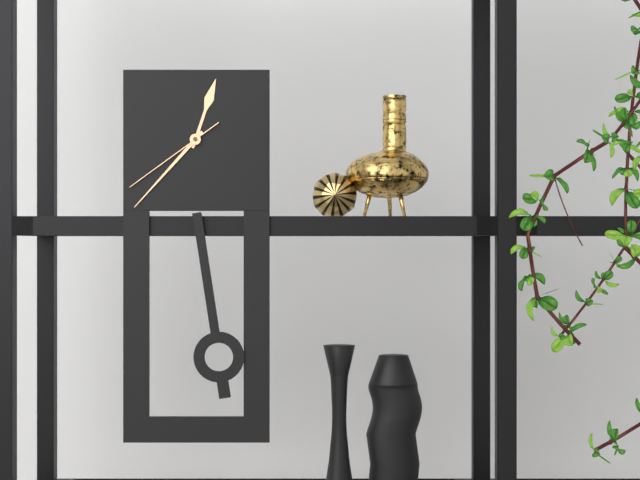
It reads 12.37.39
